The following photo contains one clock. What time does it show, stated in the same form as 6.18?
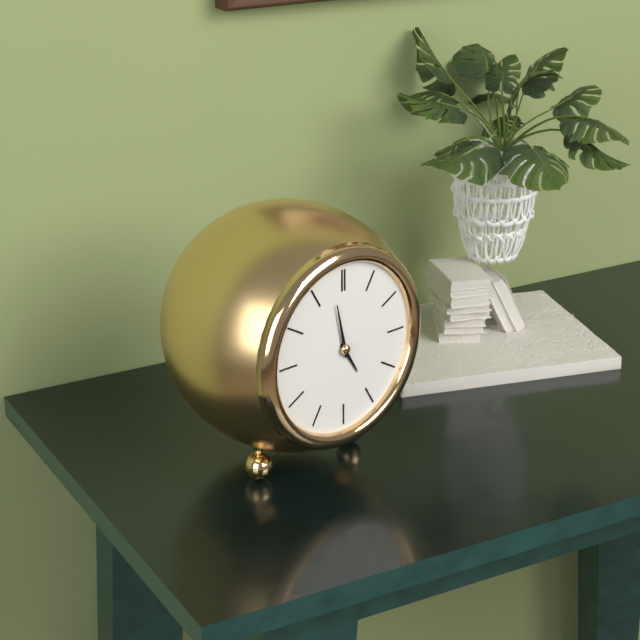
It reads 4.58
